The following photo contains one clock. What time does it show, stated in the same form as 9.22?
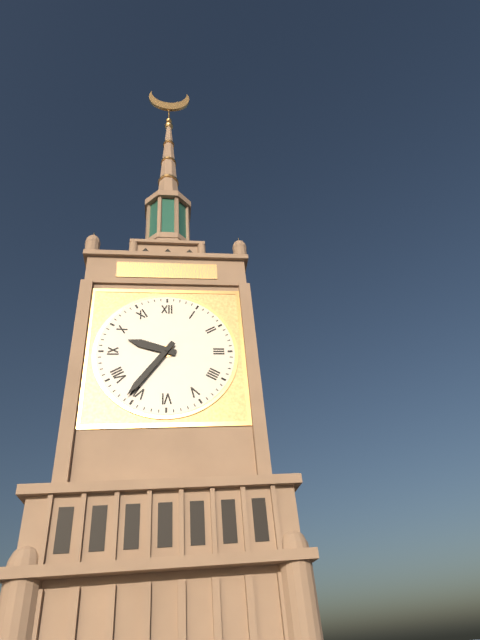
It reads 9.36
